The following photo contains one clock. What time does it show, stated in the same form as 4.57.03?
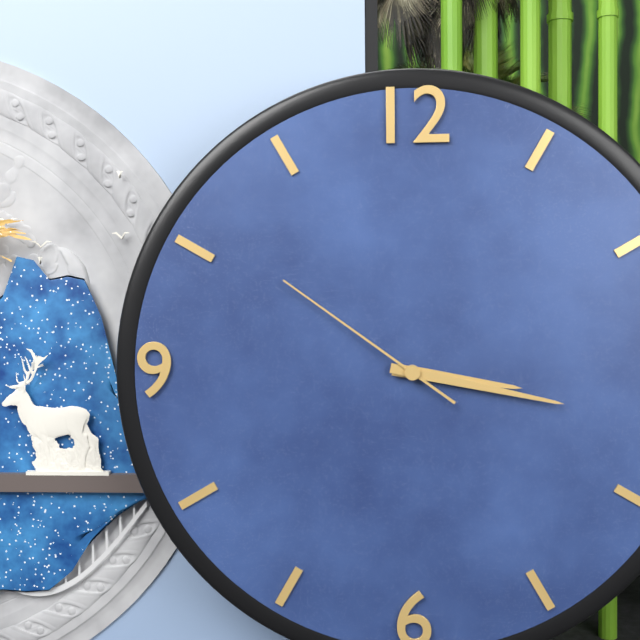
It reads 3.17.51
